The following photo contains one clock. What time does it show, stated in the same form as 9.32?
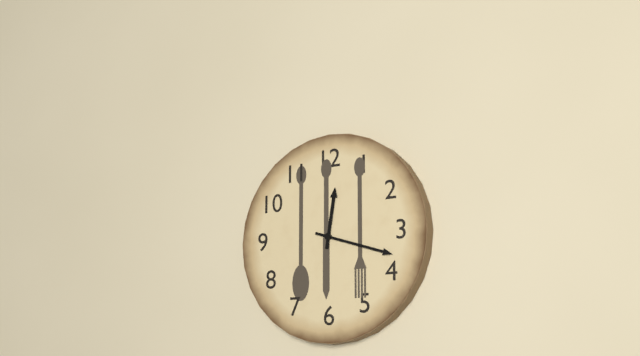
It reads 12.18
